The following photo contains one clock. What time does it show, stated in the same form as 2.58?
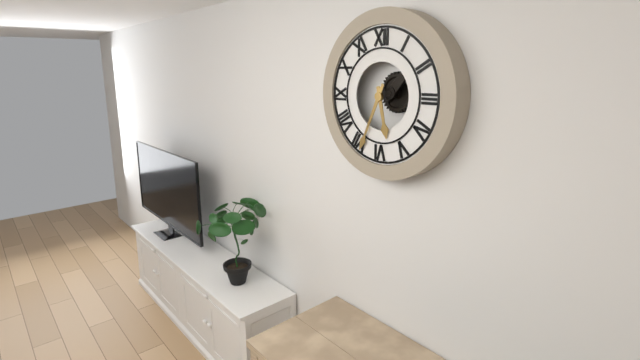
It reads 5.34
